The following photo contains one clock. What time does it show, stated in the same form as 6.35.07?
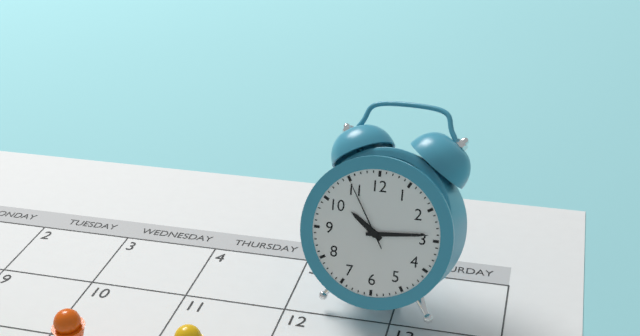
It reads 10.14.55
